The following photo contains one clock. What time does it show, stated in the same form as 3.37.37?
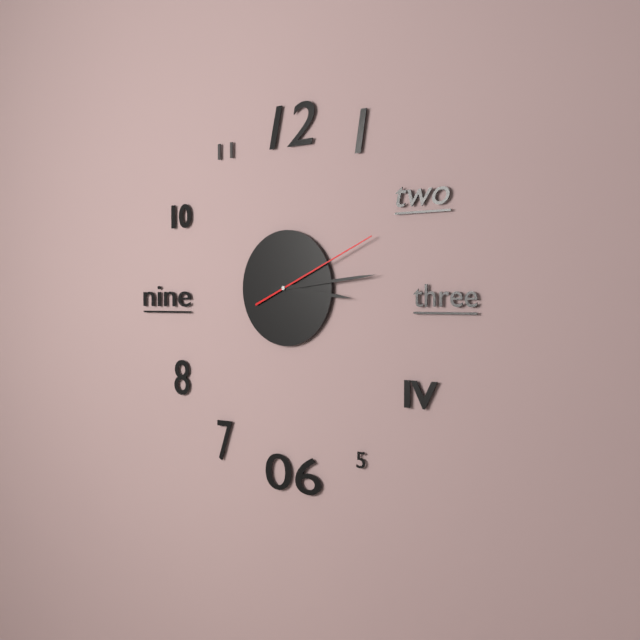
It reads 3.14.11
